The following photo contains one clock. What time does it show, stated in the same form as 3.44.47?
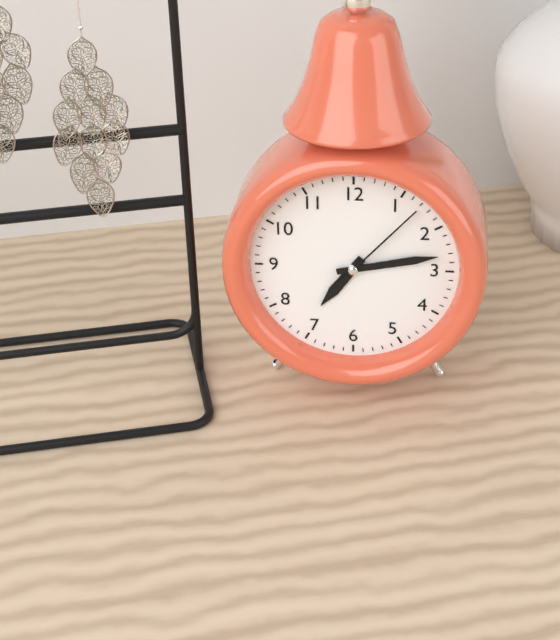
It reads 7.13.07
